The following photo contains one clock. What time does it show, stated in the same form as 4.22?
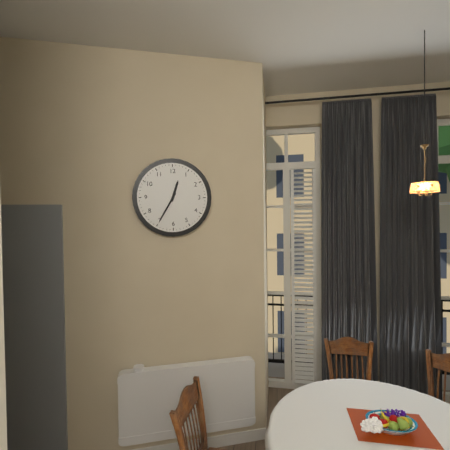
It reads 12.35
